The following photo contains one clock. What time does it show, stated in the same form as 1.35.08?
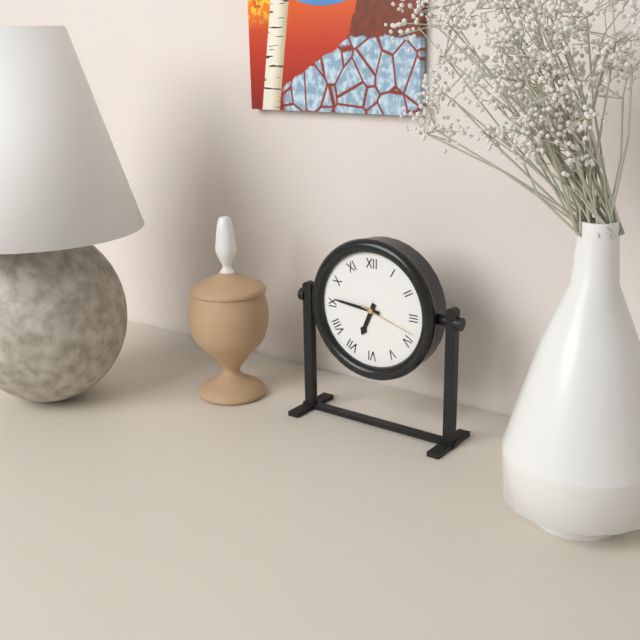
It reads 6.46.18
